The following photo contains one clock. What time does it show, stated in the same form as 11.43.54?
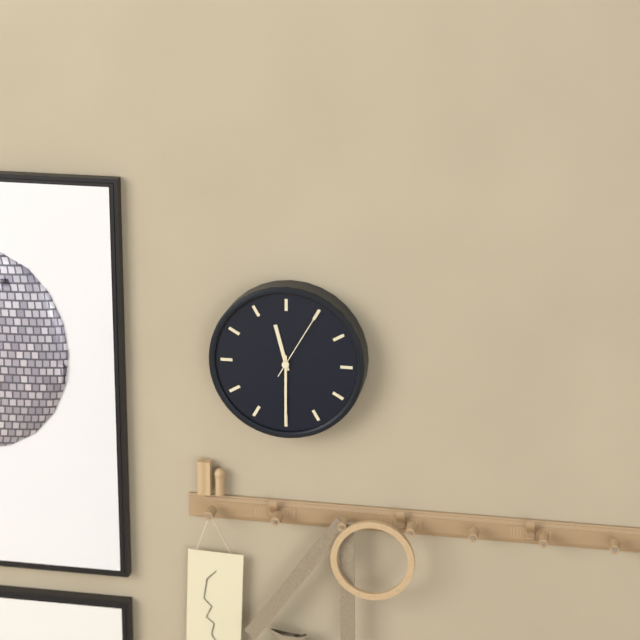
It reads 11.30.05
